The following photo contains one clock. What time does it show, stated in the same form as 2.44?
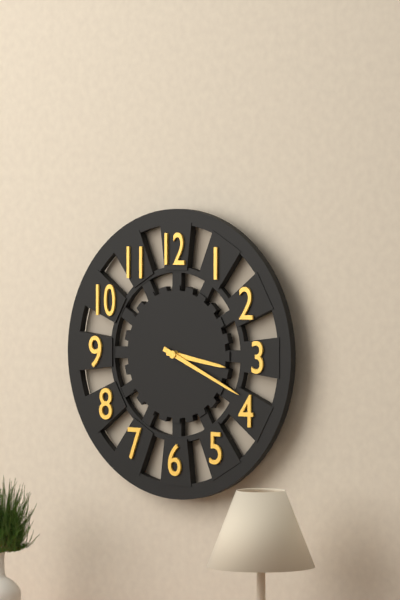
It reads 3.19
